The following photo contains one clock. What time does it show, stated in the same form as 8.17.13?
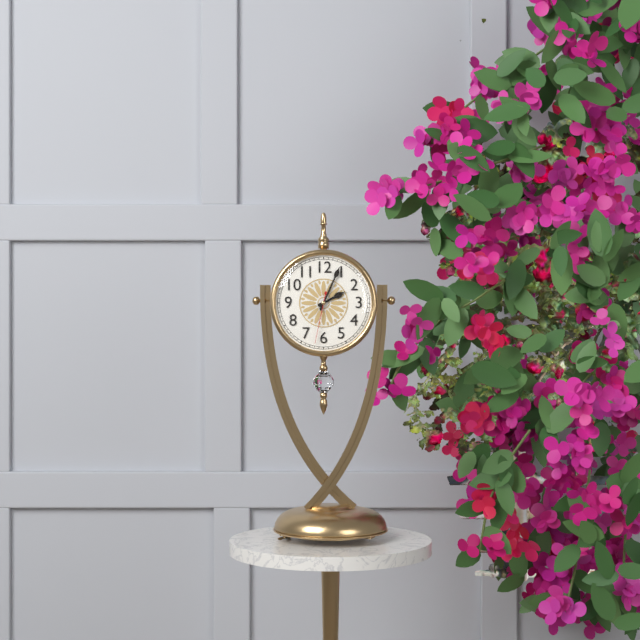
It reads 2.04.32
